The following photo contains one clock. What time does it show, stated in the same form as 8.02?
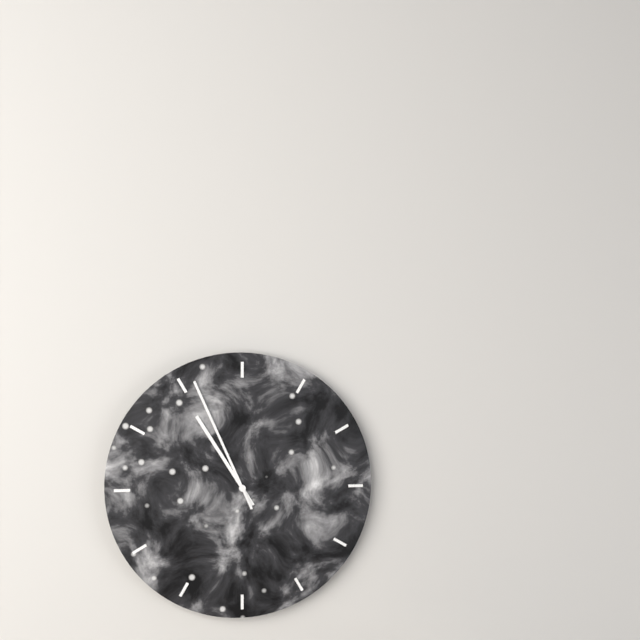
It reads 10.56
